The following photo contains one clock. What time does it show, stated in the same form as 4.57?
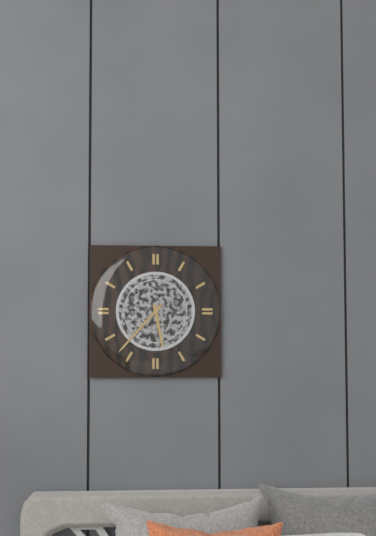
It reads 5.37
